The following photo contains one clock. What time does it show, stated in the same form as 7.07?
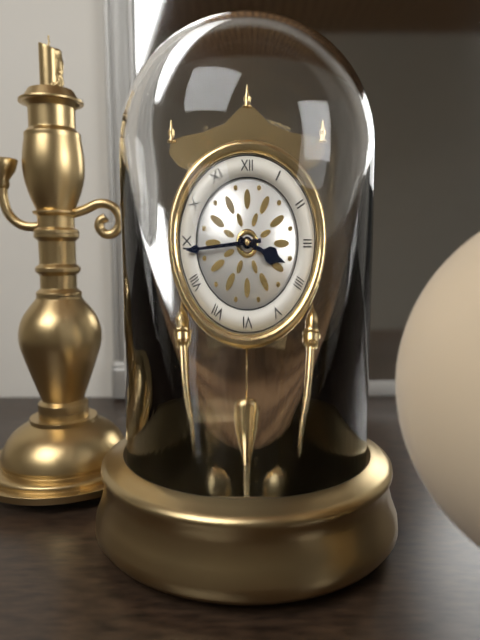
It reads 3.44
